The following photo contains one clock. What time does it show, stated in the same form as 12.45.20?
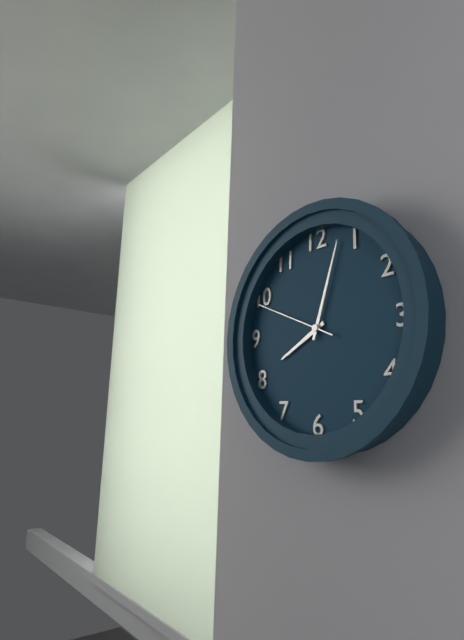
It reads 8.03.49
